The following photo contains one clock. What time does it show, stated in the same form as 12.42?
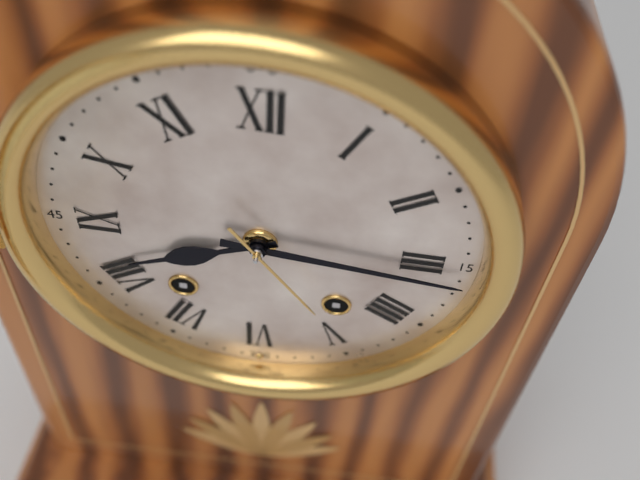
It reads 8.16
